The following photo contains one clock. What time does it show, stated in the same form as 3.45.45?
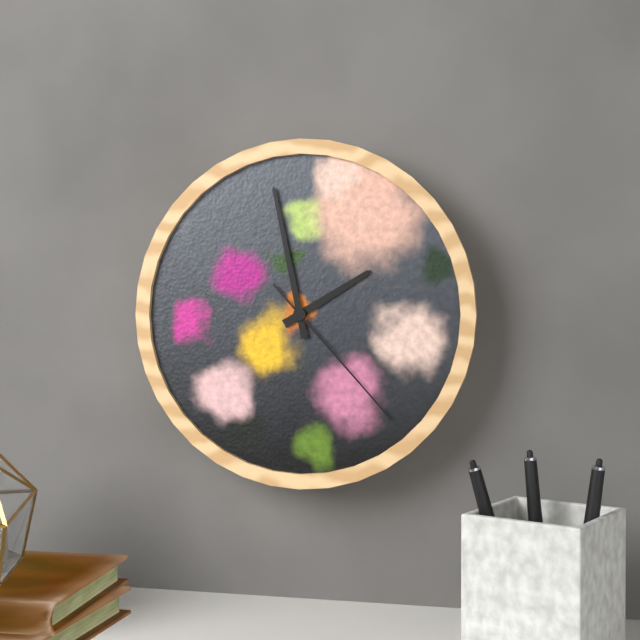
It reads 1.58.23
